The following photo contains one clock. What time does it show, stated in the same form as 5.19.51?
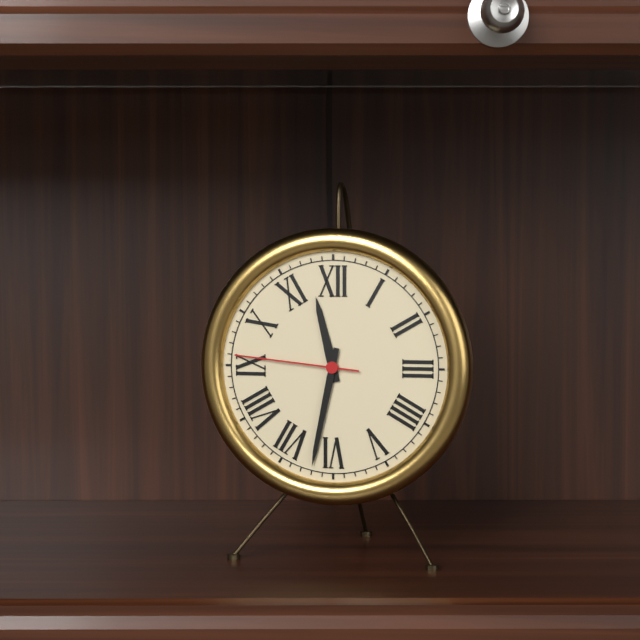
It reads 11.32.46
